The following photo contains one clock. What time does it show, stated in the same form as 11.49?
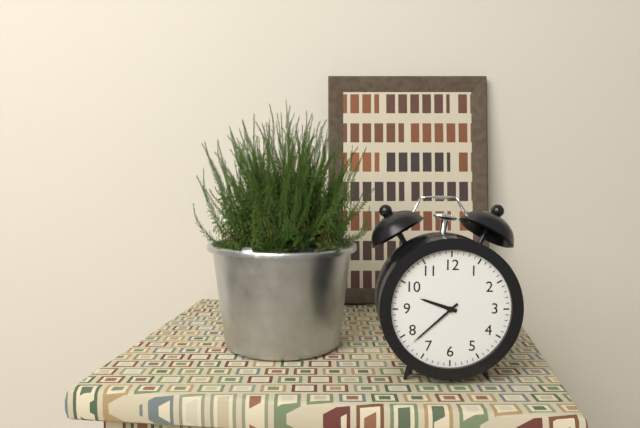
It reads 9.38
